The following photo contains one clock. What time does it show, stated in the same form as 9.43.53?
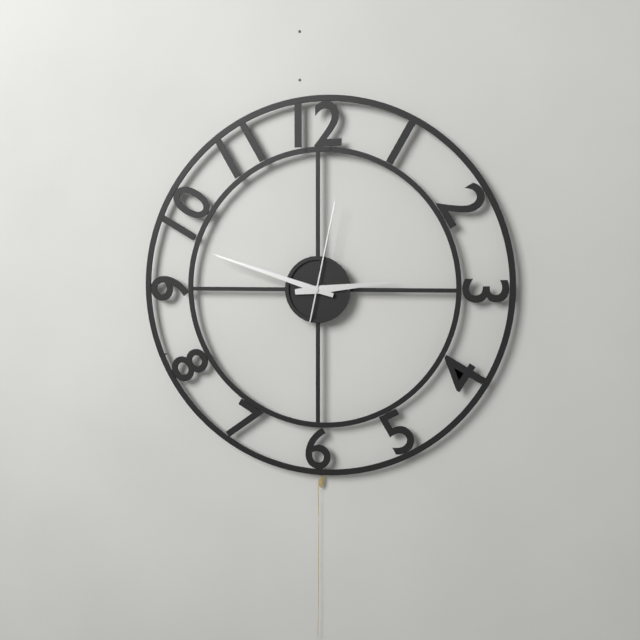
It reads 2.48.02
